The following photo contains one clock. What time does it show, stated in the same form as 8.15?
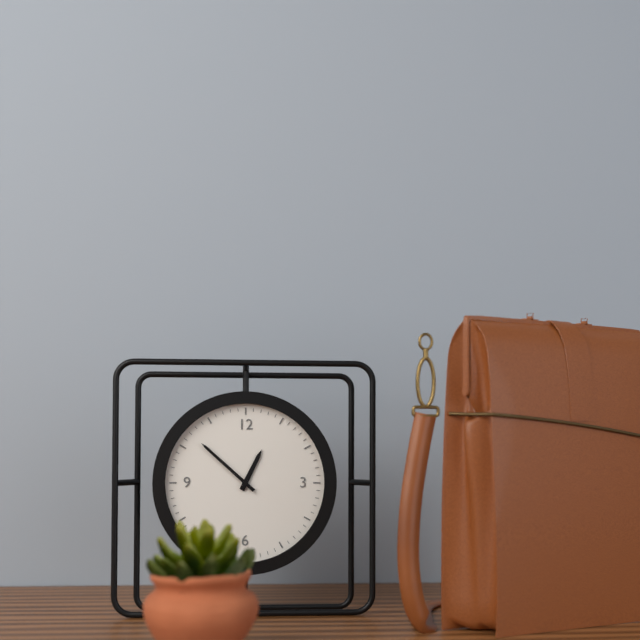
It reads 12.52
